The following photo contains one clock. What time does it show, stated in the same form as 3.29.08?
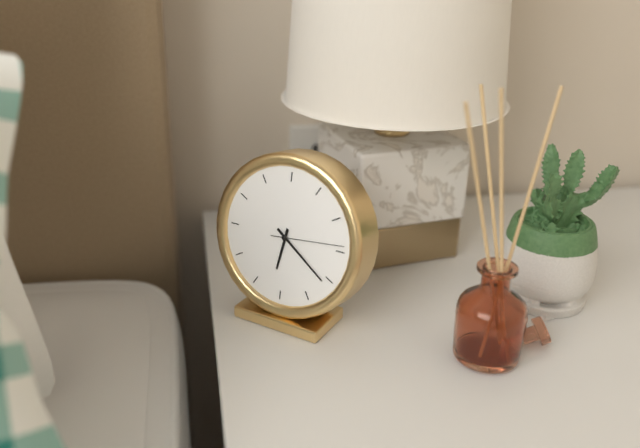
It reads 6.21.14
